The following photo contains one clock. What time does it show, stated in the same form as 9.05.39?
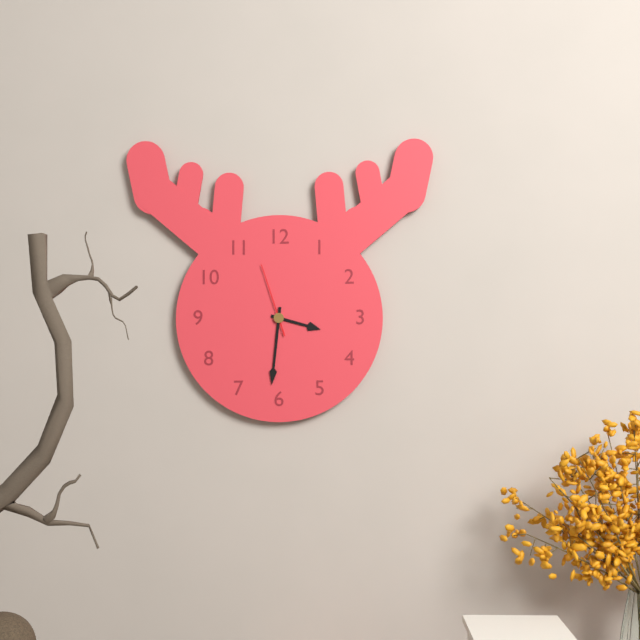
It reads 3.31.57
